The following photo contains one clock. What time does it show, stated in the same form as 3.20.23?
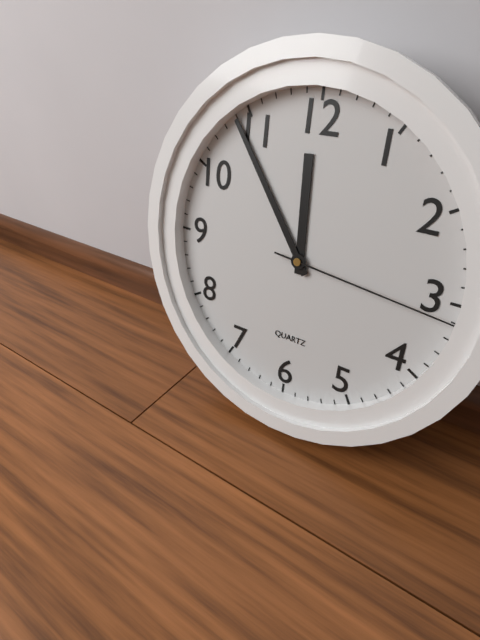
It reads 11.54.16
